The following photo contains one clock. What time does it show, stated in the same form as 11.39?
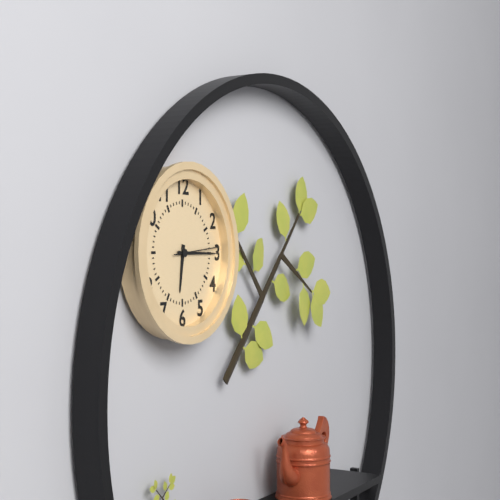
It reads 6.15
